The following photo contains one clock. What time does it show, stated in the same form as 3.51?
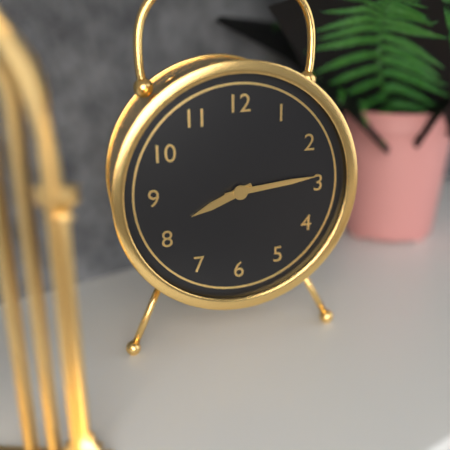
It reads 8.14
